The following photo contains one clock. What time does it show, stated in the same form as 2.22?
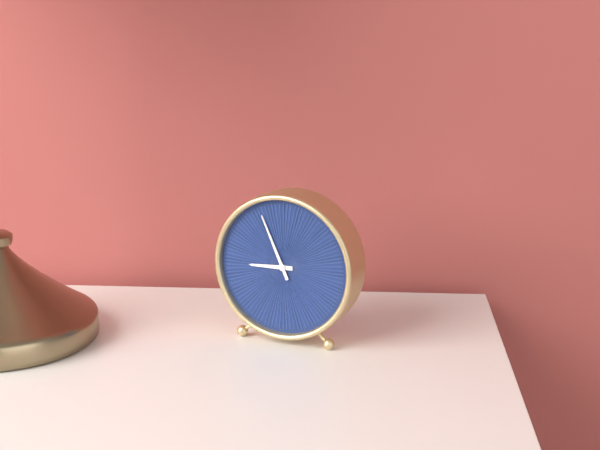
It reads 8.56
